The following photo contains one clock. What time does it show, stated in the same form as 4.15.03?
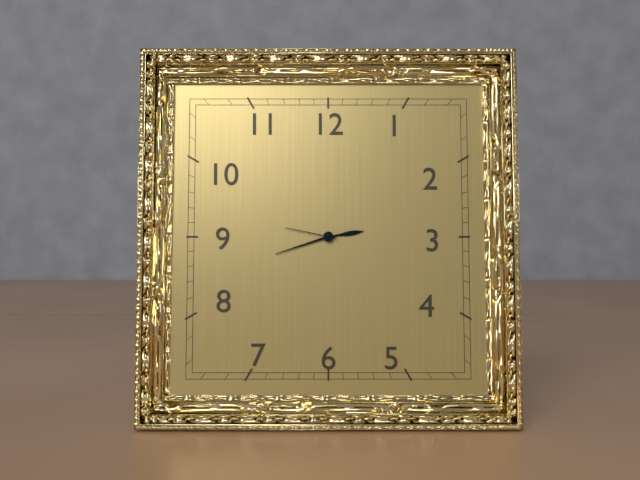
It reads 2.42.47
